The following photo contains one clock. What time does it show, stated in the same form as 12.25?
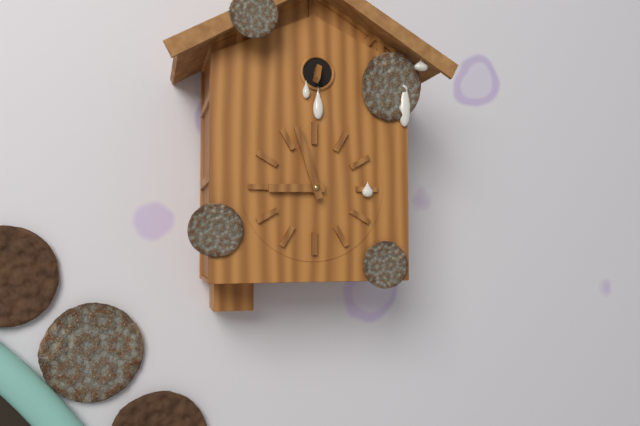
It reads 8.57
